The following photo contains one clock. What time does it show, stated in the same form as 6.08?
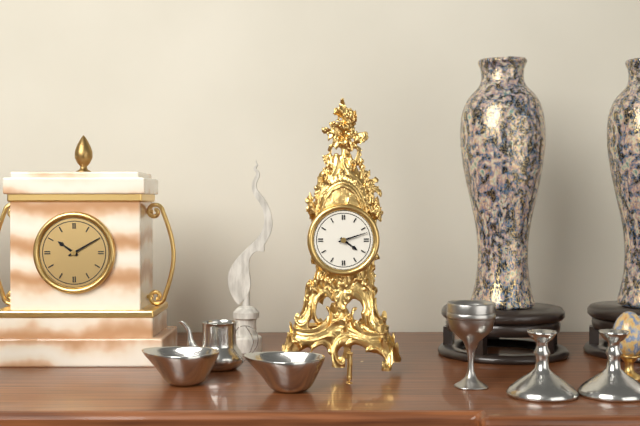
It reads 4.12
